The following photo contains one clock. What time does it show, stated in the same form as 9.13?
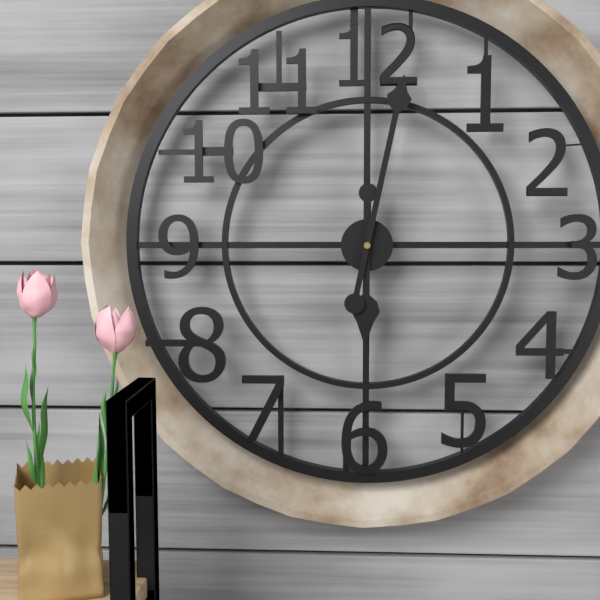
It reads 6.02
